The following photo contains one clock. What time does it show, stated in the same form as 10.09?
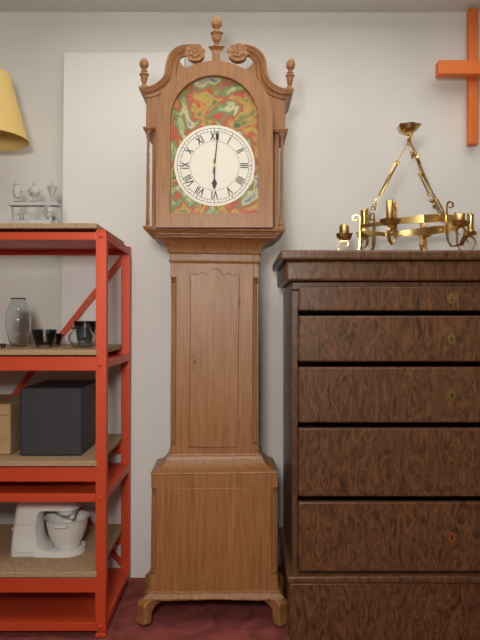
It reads 6.01
